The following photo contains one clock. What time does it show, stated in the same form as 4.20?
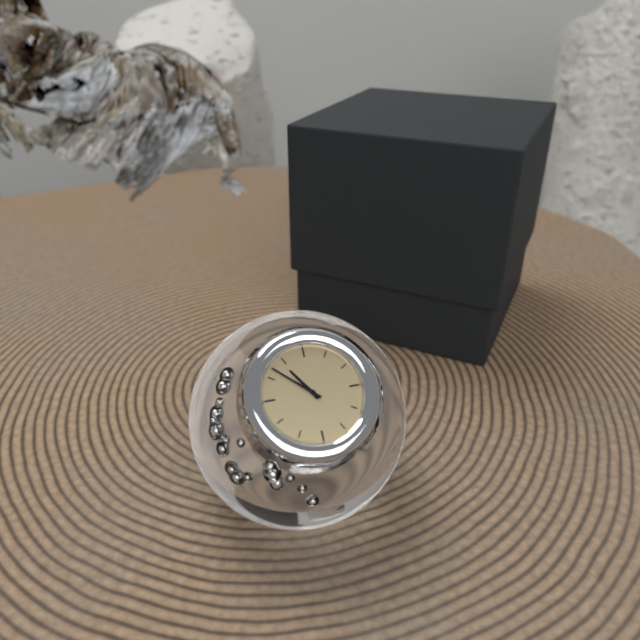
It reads 10.52
